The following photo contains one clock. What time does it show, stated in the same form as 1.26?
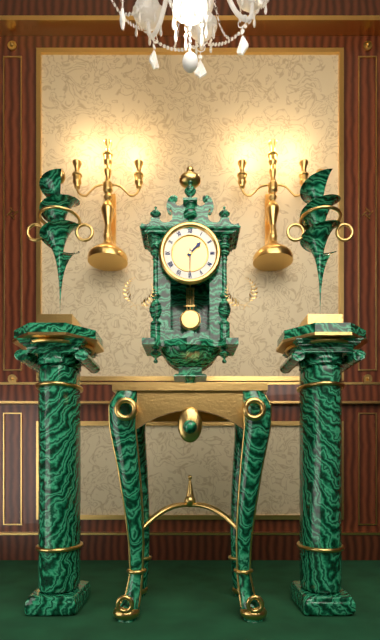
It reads 1.30
